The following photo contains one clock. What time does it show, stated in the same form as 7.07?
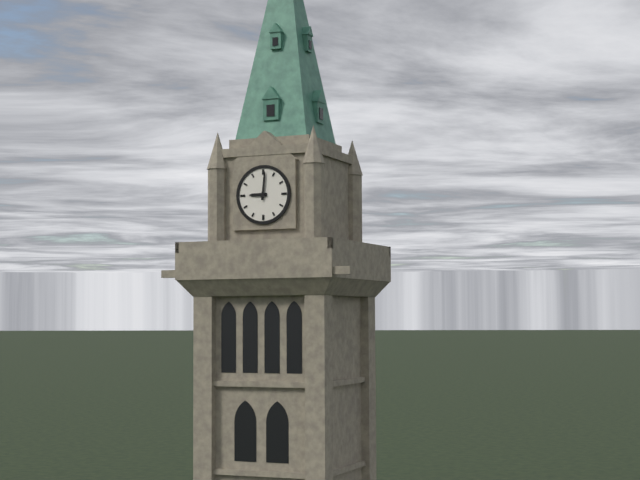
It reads 9.01
